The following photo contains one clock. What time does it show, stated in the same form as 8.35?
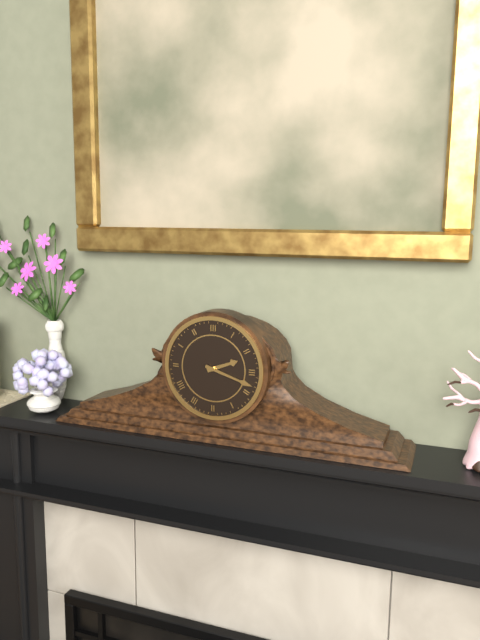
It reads 2.18
